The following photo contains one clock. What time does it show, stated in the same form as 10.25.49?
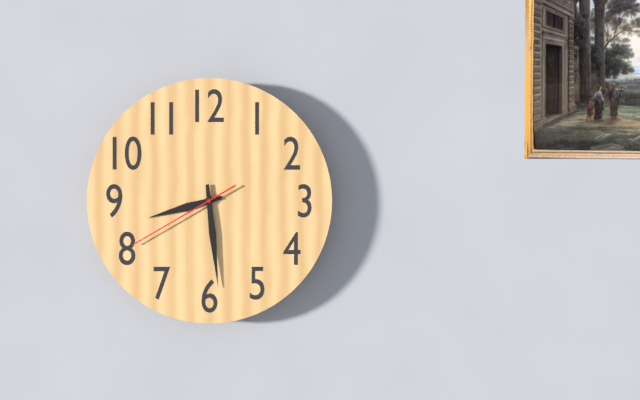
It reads 8.29.40
